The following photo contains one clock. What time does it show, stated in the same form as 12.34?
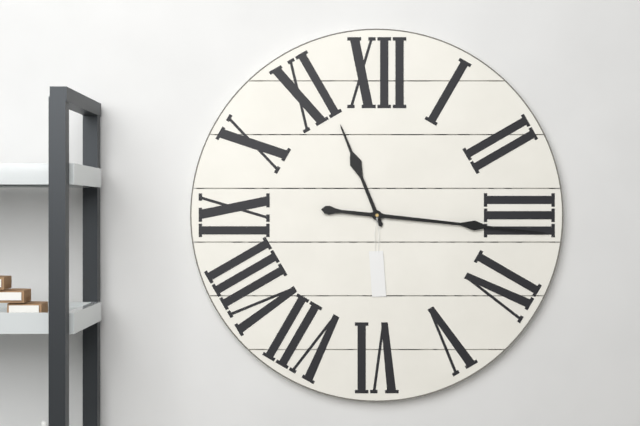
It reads 11.16
